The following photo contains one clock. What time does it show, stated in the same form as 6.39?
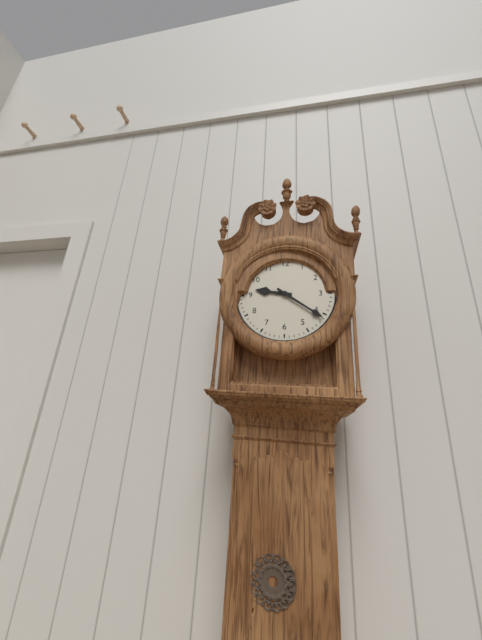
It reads 9.21
